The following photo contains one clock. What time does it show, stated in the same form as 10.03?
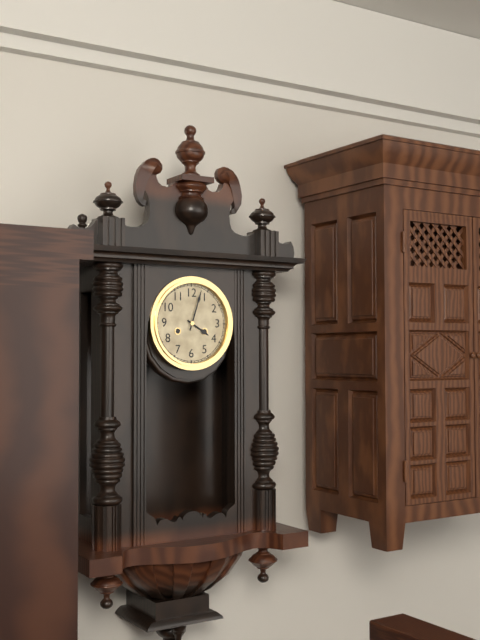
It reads 4.03
